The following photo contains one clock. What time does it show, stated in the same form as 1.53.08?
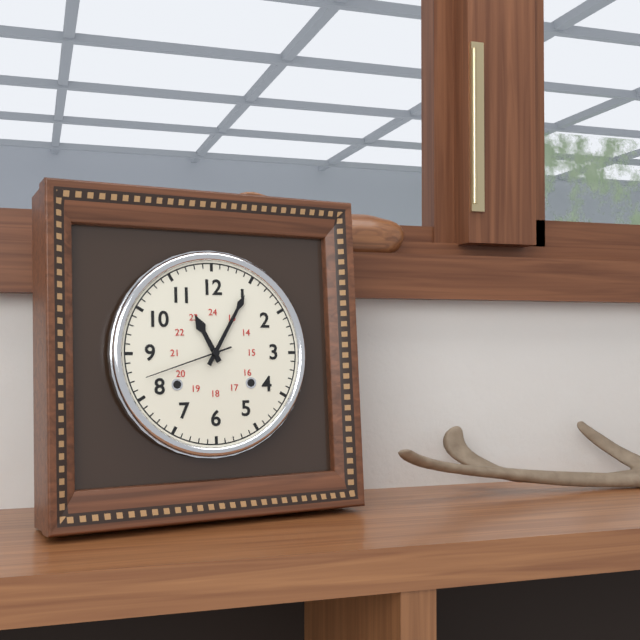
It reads 11.05.42
